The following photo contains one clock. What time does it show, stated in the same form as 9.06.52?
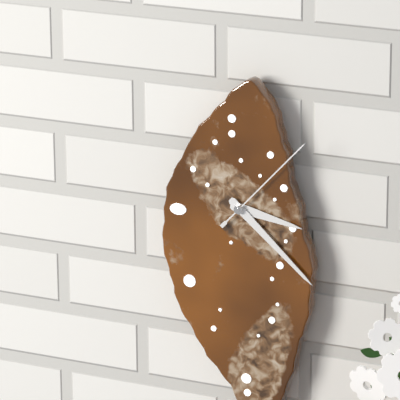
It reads 3.22.07
